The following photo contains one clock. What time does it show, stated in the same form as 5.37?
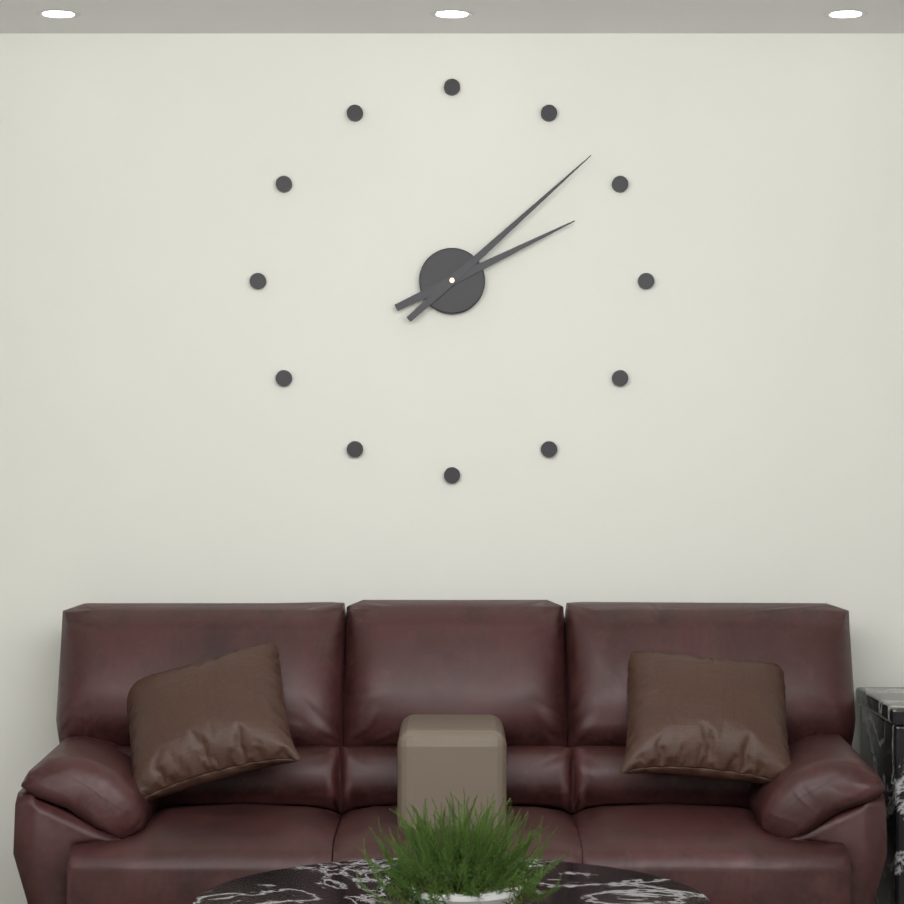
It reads 2.08
